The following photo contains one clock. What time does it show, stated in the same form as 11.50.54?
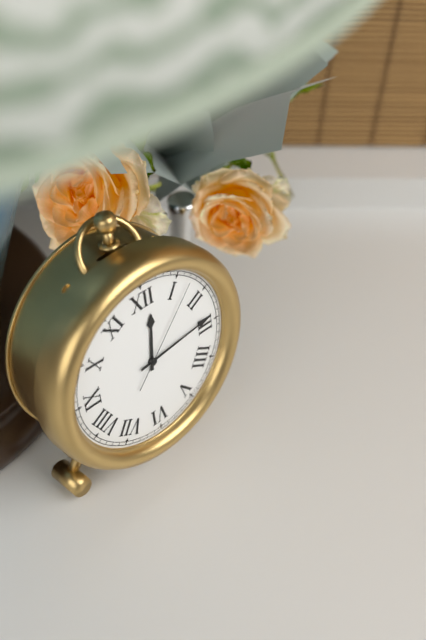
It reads 12.14.07
